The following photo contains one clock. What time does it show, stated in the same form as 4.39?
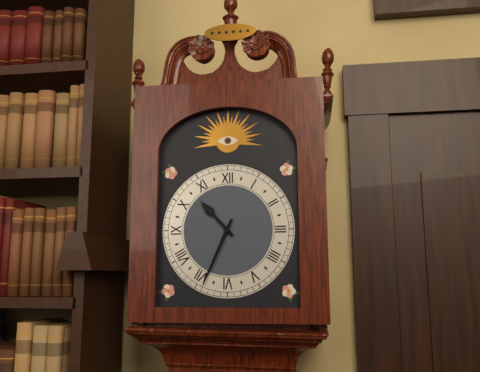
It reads 10.34
